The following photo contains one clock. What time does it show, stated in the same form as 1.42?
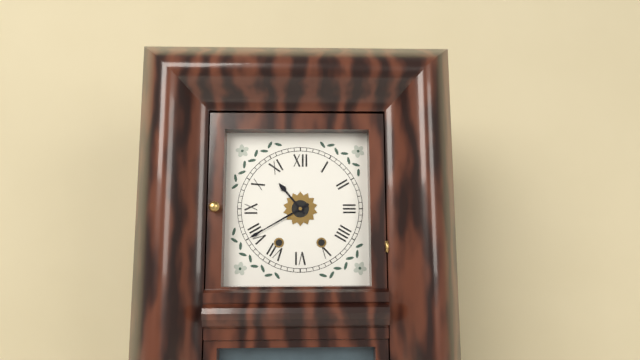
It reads 10.40
